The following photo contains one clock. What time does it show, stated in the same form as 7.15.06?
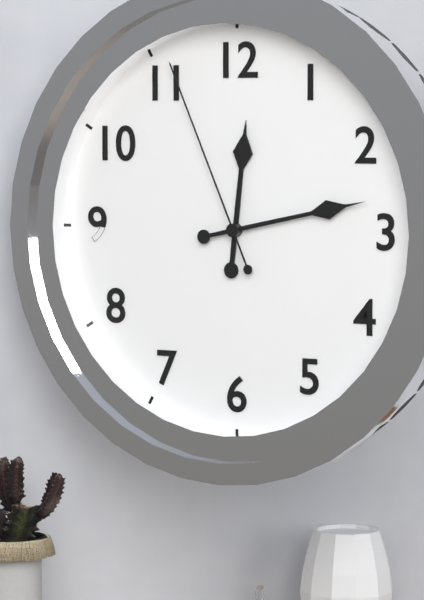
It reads 12.13.56
